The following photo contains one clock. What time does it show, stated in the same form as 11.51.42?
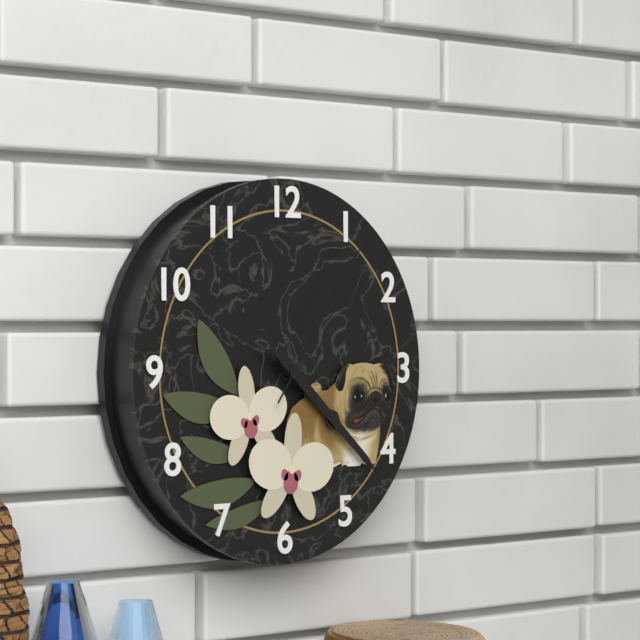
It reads 4.22.06
